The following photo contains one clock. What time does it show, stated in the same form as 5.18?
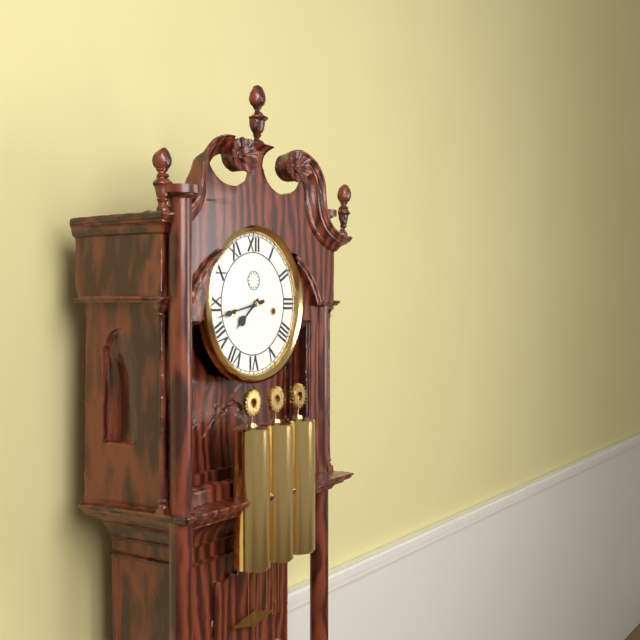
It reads 7.43
